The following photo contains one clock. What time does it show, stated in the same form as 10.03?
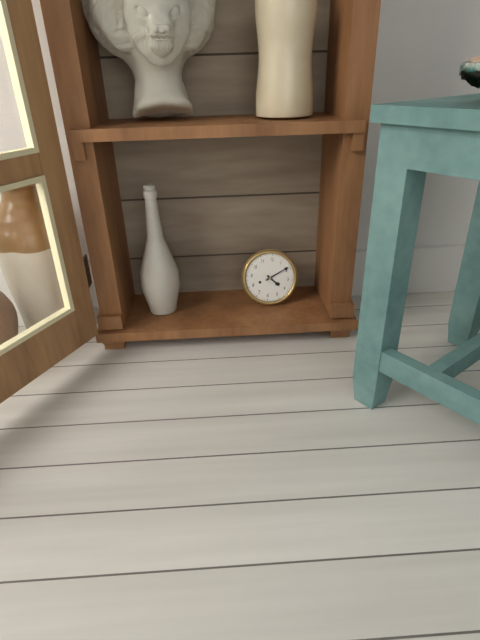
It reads 4.09
